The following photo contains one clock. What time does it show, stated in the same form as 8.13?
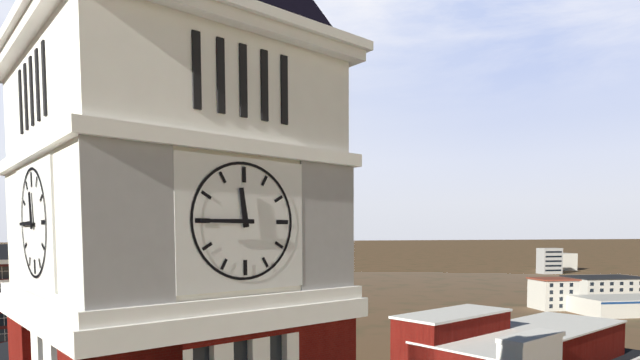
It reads 11.45
